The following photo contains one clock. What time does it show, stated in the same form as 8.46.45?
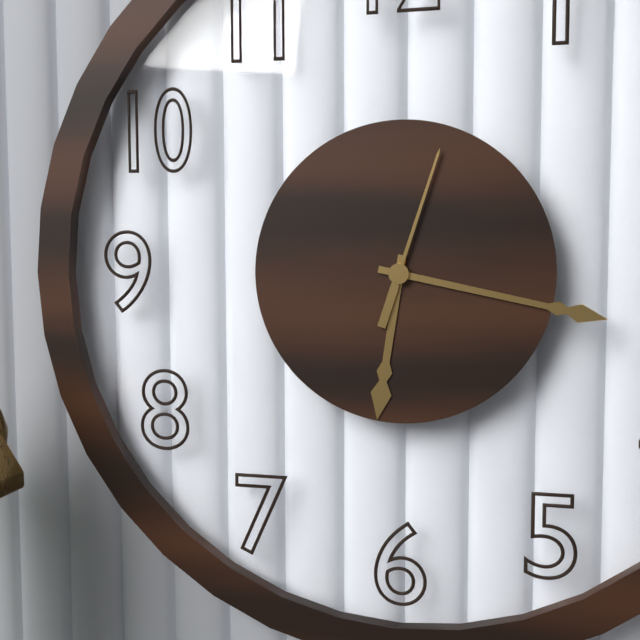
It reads 6.17.03
